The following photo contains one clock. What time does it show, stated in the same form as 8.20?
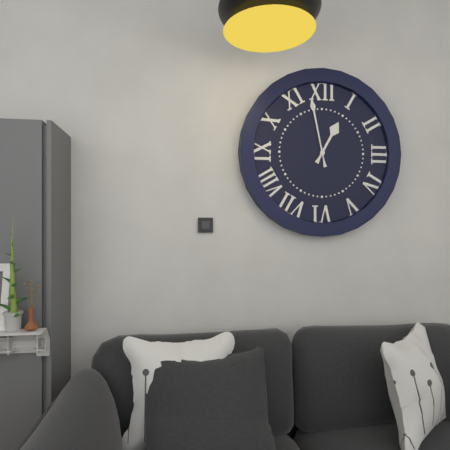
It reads 12.58
